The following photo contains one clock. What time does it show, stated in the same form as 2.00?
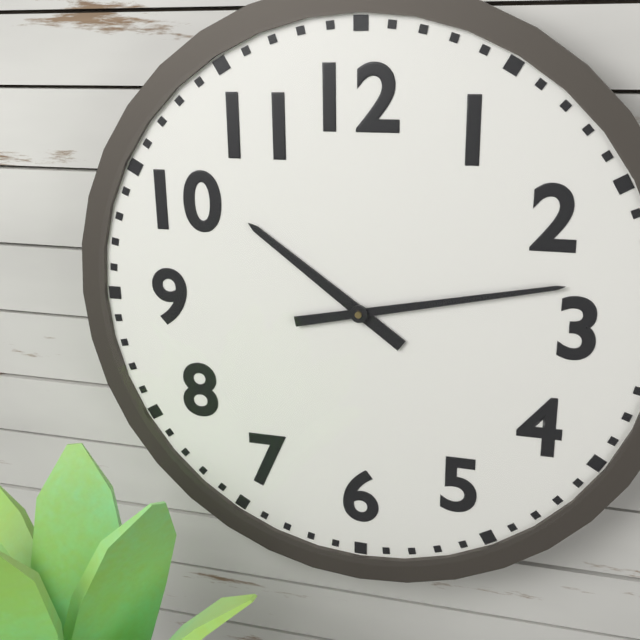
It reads 10.13
